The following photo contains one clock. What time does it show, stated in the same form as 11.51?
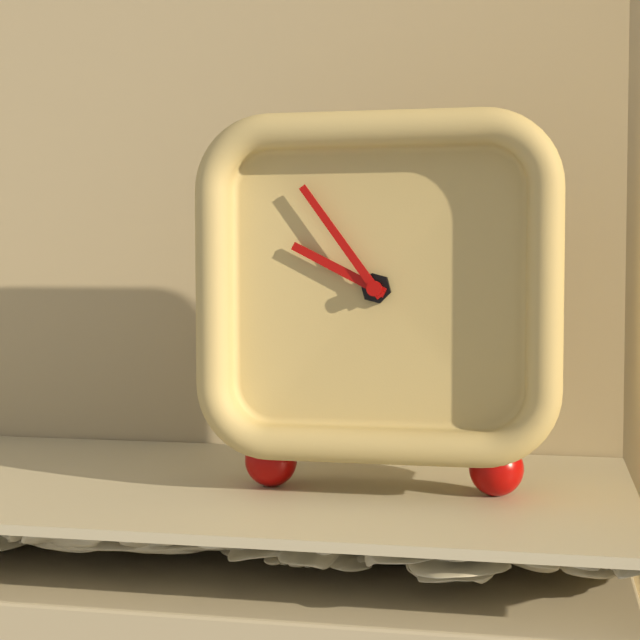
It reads 9.54
